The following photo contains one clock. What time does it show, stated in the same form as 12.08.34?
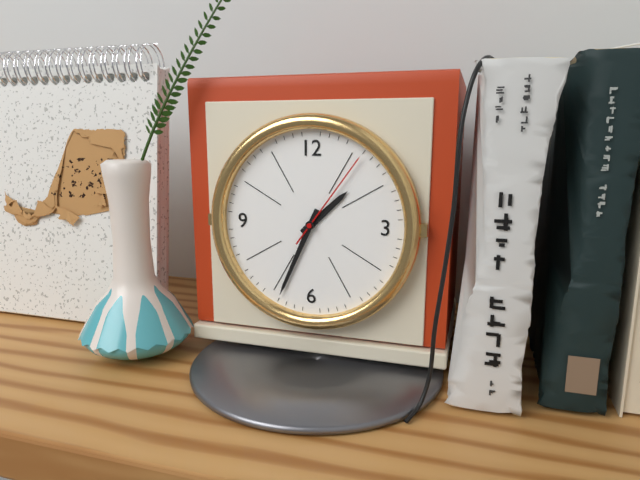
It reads 1.34.06
